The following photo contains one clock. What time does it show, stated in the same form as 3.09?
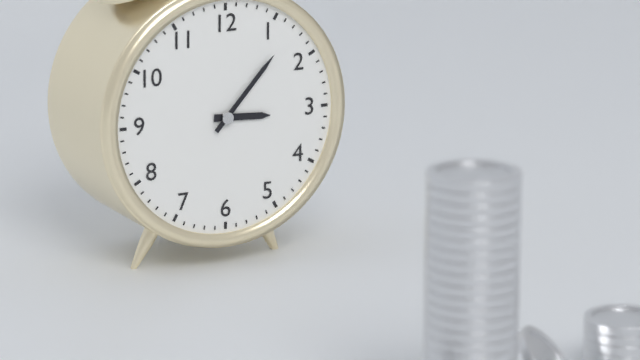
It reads 3.07
